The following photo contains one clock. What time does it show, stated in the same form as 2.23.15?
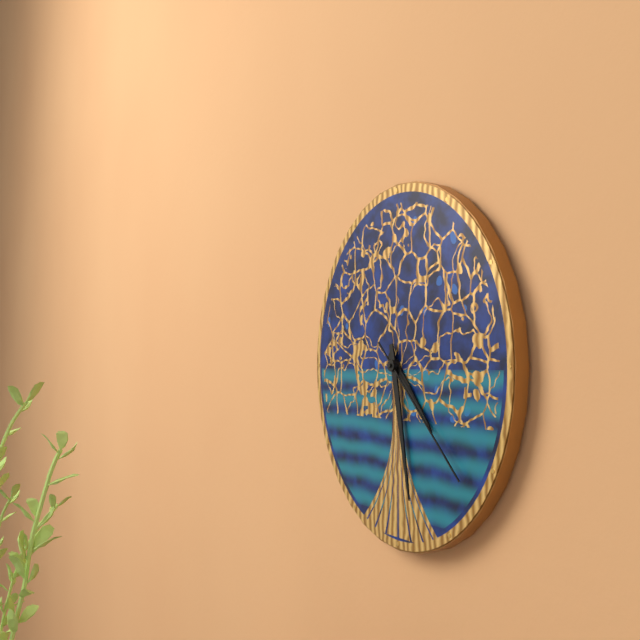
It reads 4.28.22
